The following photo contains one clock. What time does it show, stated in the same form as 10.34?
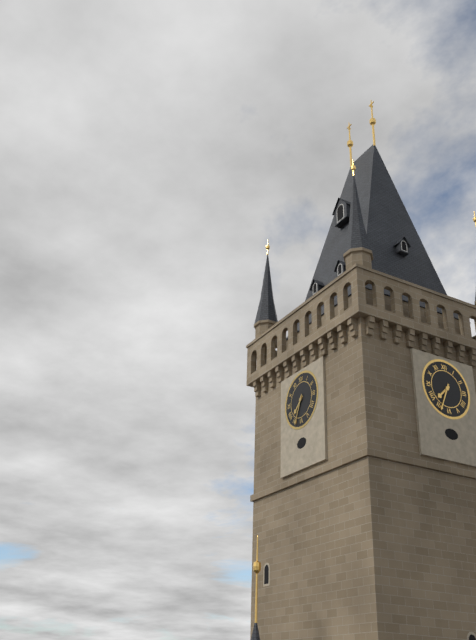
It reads 7.34
